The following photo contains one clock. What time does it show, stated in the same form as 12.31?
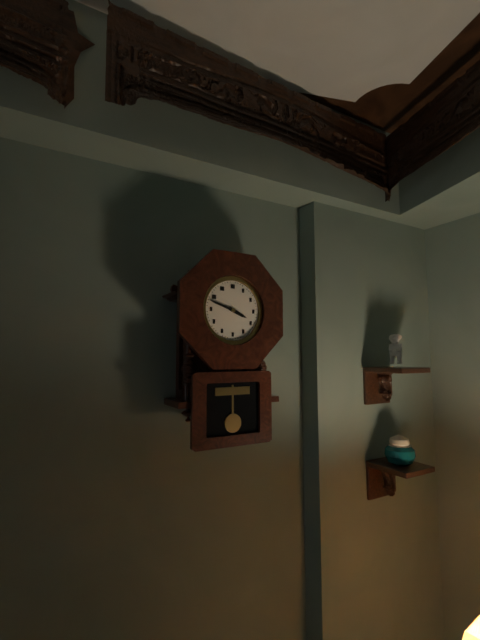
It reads 3.48
